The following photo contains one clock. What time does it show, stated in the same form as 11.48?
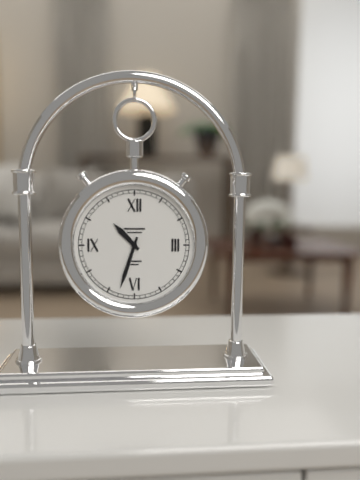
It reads 10.33
